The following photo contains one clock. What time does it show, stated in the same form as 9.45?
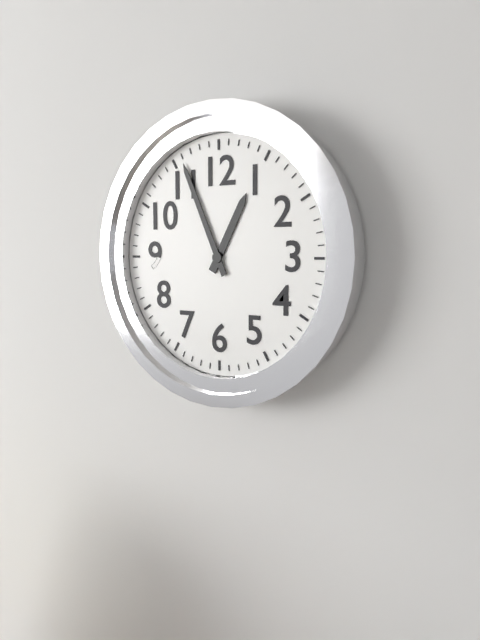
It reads 12.56
